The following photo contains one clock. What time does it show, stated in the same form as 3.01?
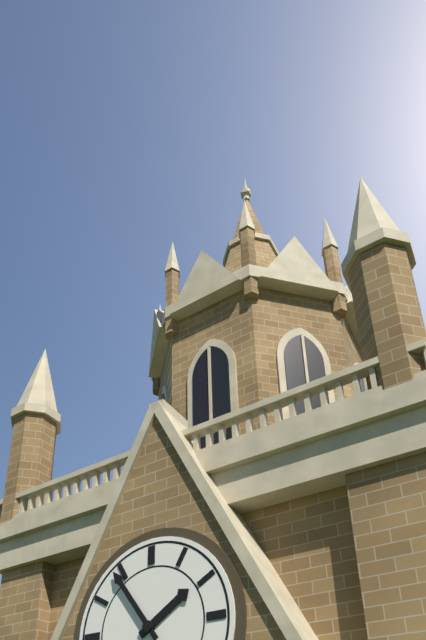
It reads 1.54
